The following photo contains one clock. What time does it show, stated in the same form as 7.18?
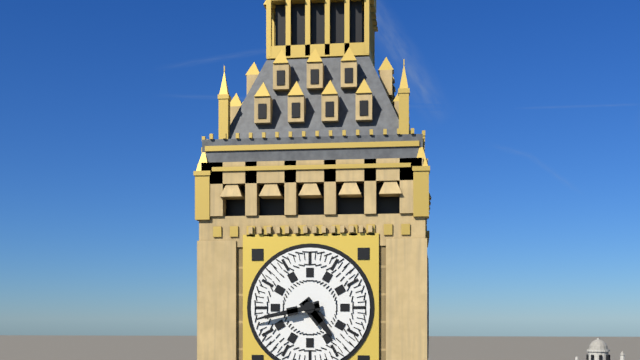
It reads 4.43
